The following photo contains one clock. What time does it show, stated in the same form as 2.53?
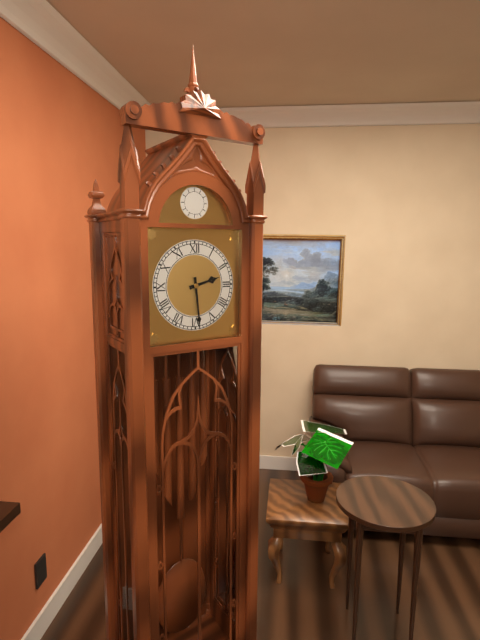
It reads 2.29
